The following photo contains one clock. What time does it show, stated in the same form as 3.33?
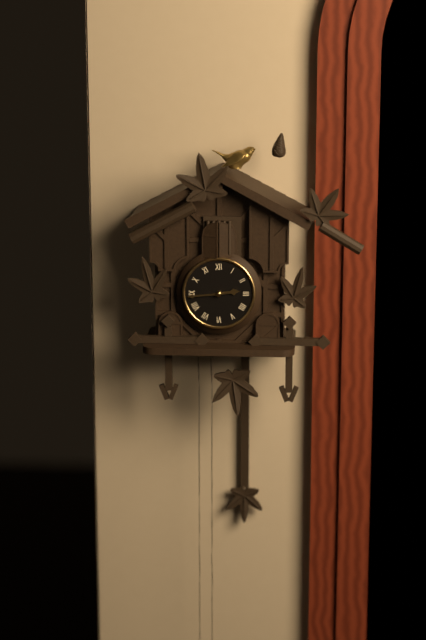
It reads 2.44
